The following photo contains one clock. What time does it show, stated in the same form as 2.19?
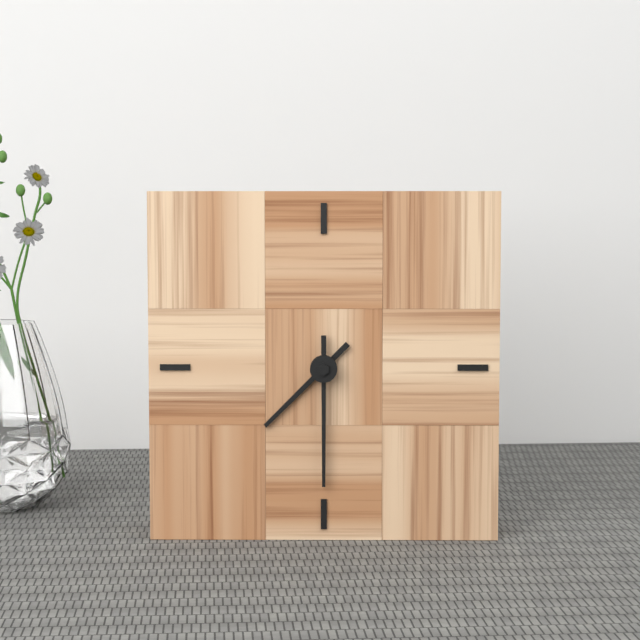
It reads 7.30
